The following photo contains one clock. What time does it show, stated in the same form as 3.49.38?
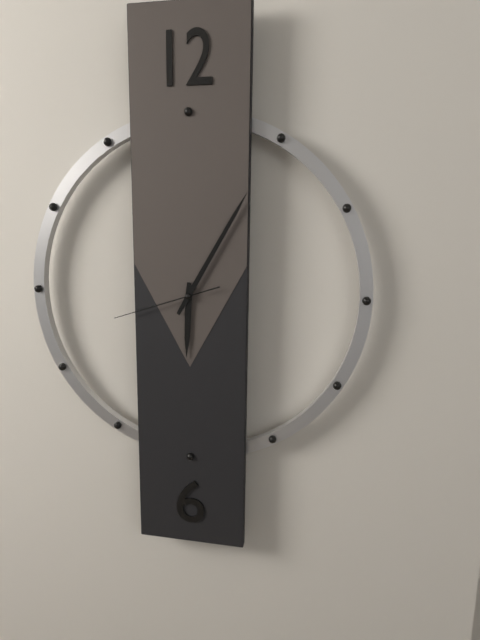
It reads 6.05.42
